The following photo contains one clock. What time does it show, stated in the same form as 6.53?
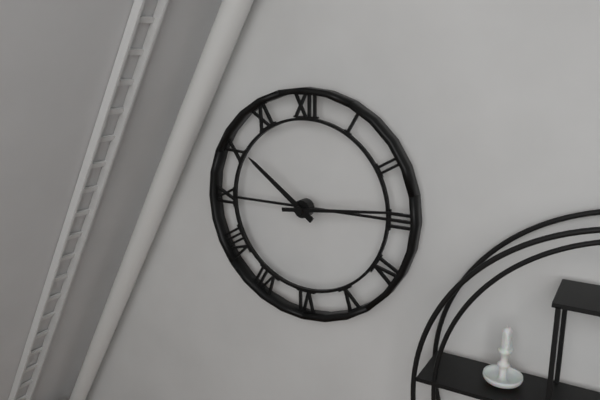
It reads 10.14
